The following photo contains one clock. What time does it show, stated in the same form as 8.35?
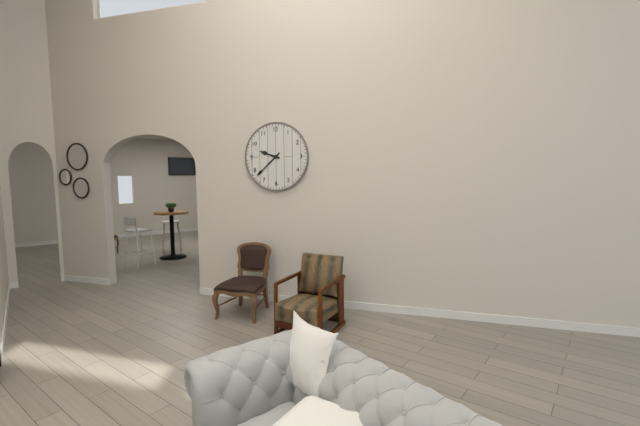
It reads 9.38
